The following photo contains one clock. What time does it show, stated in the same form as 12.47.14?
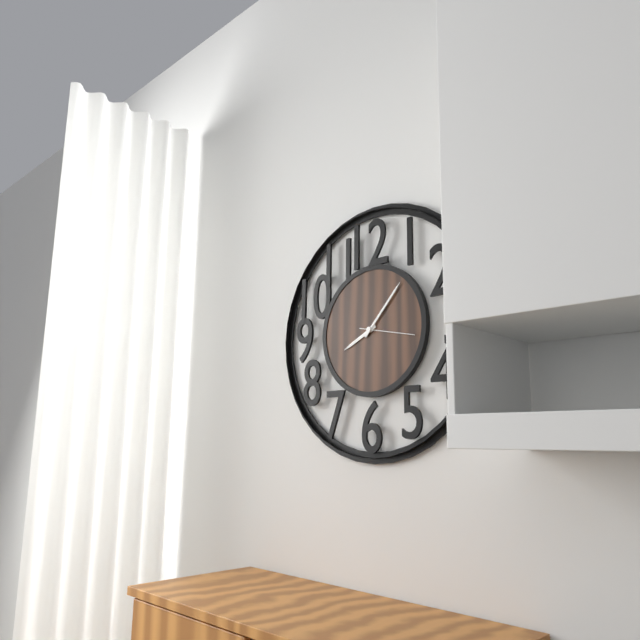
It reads 8.07.17
